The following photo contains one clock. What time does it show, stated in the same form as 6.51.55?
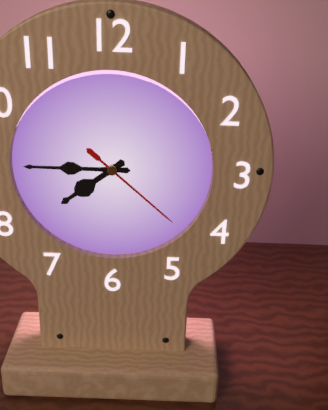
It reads 7.45.22
